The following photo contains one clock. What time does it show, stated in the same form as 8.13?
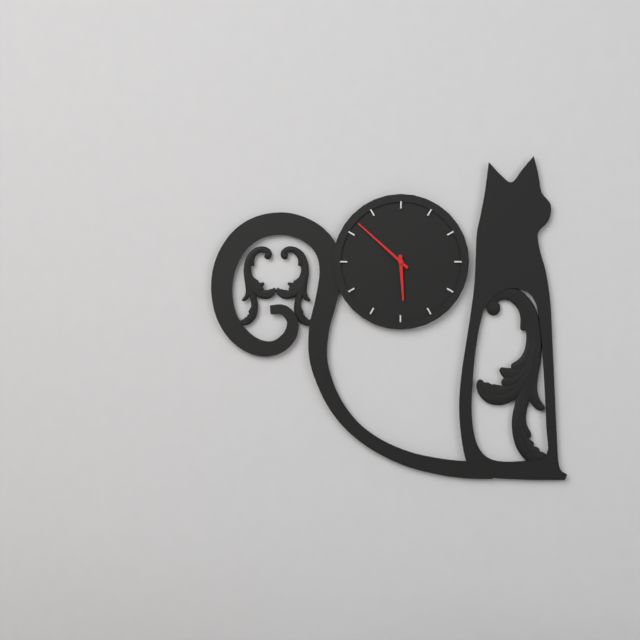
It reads 5.52
